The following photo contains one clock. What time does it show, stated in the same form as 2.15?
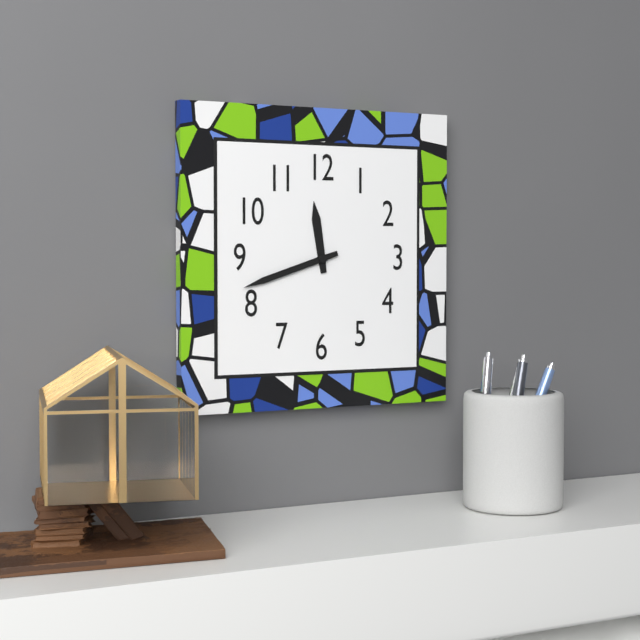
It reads 11.42
